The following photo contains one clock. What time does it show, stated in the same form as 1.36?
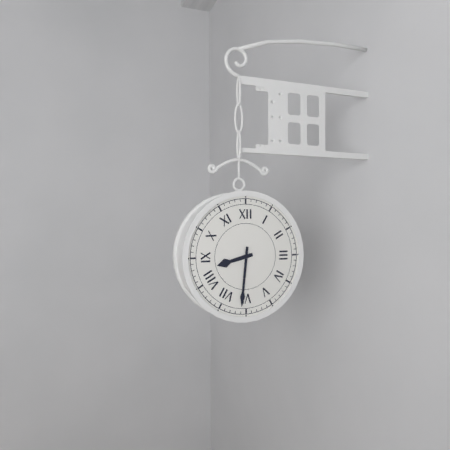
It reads 8.31
